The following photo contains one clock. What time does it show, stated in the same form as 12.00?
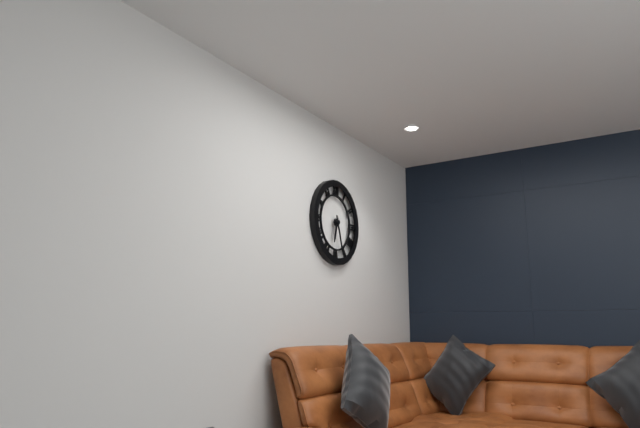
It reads 6.27
